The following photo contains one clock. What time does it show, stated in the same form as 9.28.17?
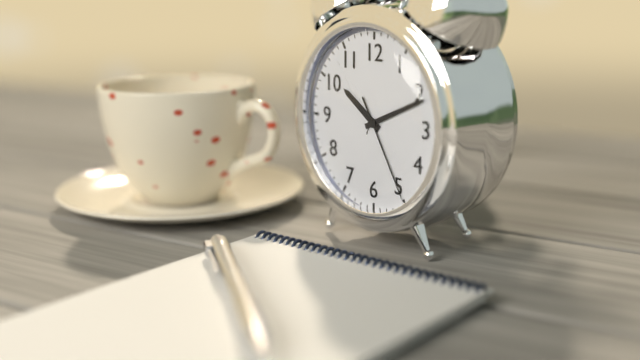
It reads 10.11.25
